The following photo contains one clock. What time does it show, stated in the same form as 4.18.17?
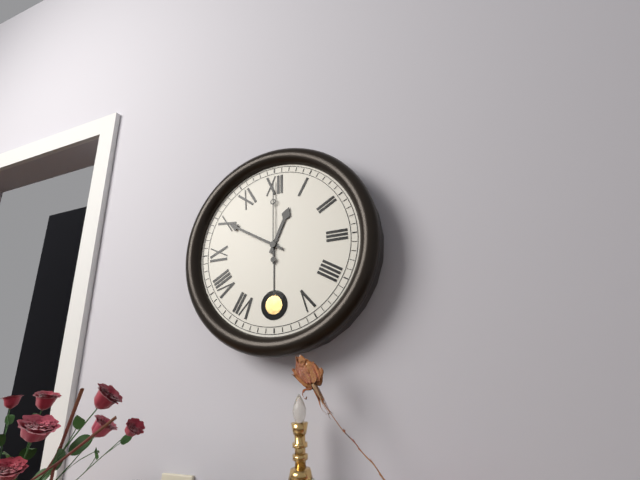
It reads 12.50.00
